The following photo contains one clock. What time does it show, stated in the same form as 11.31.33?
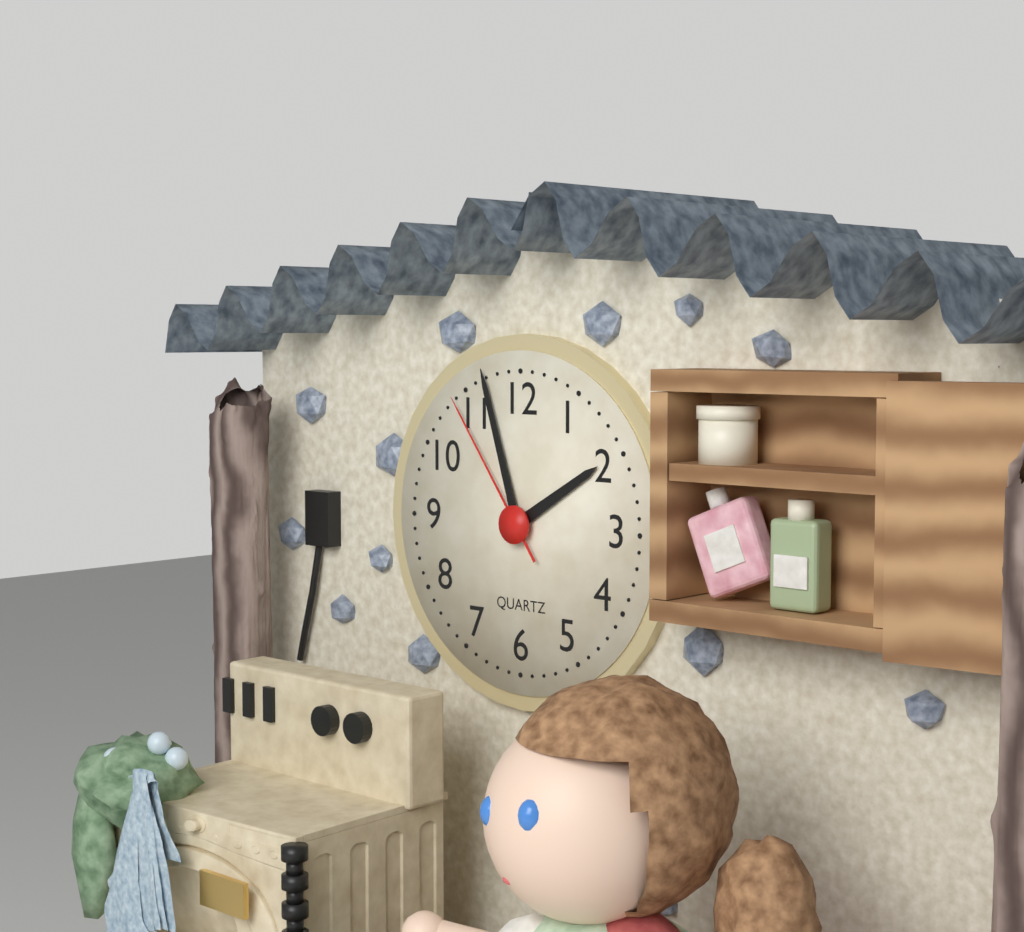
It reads 1.57.54
